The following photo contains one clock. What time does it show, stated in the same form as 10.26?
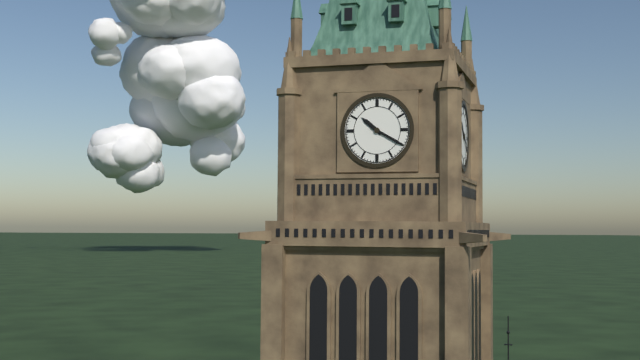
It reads 10.20
